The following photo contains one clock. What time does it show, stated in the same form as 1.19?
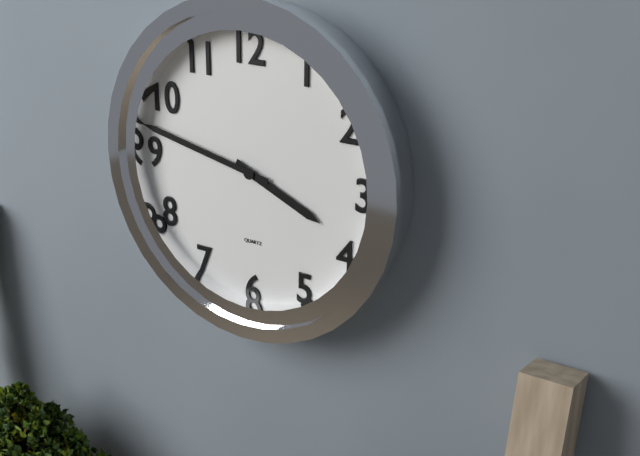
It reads 3.47
